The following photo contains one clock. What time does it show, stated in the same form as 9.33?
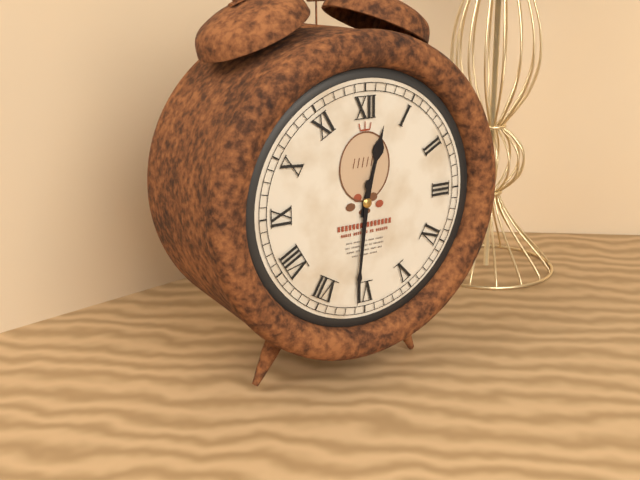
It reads 12.31
